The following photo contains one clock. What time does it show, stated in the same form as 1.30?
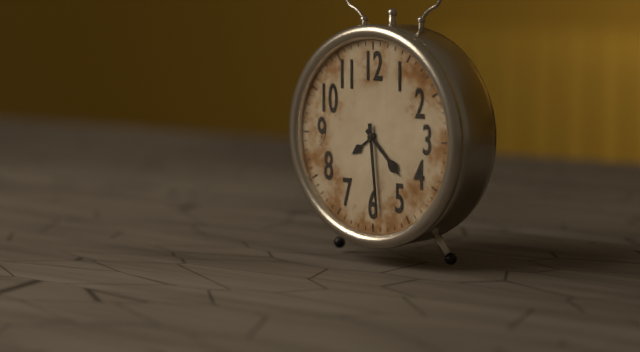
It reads 4.29
